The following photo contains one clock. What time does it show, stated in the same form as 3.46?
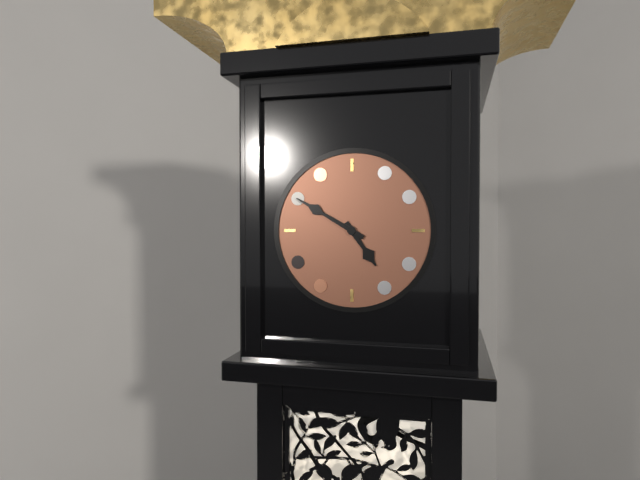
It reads 4.50
